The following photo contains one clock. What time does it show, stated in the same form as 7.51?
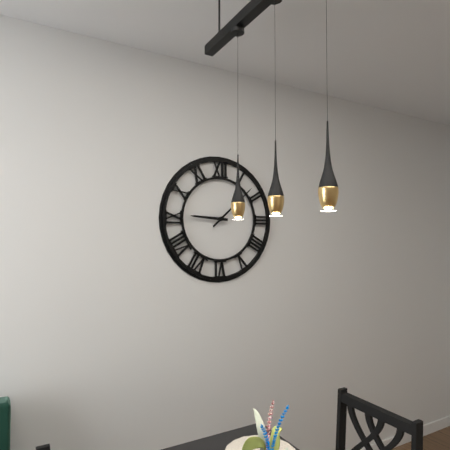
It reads 9.08
